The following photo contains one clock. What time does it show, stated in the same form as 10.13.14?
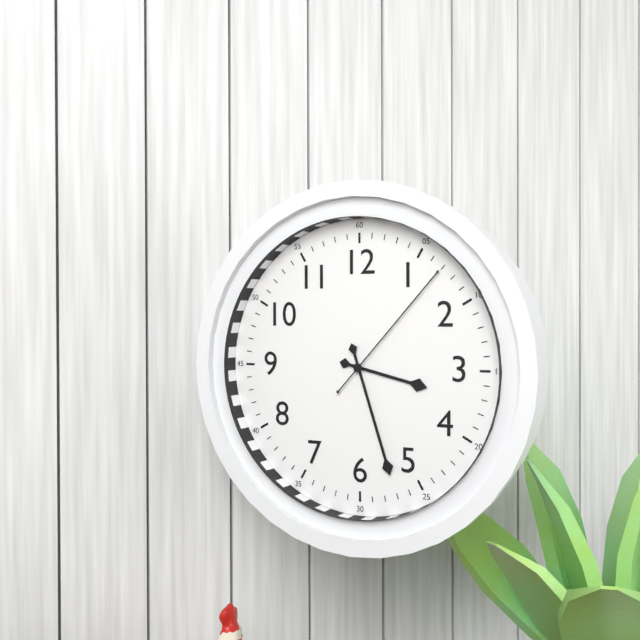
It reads 3.27.07
